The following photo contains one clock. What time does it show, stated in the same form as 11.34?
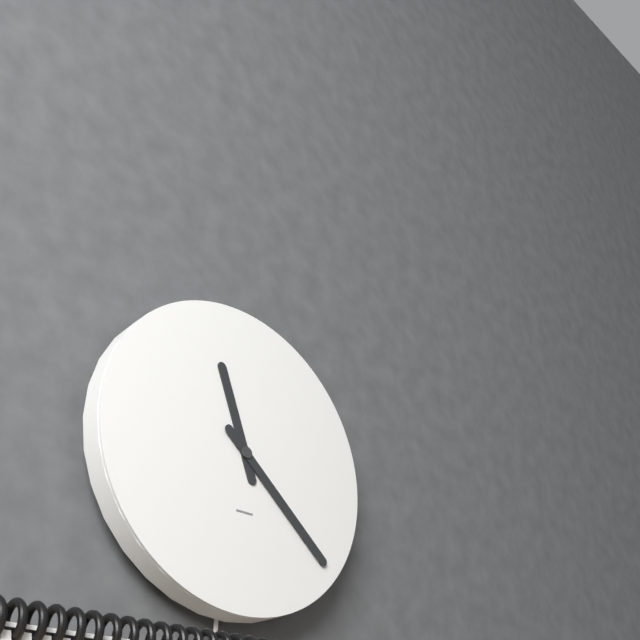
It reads 11.22
